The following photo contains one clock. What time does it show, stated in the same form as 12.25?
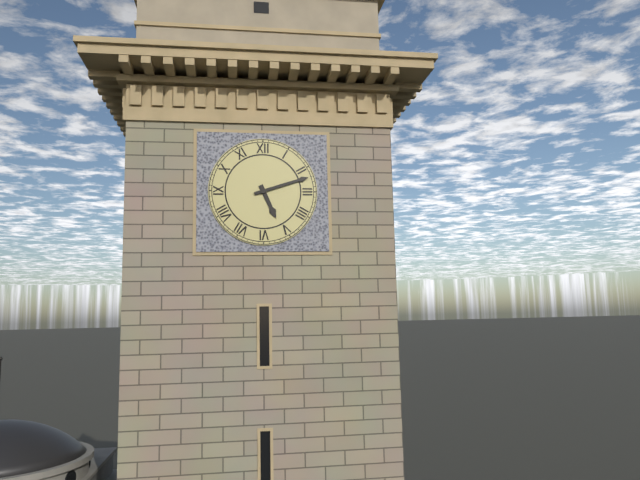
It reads 5.12
